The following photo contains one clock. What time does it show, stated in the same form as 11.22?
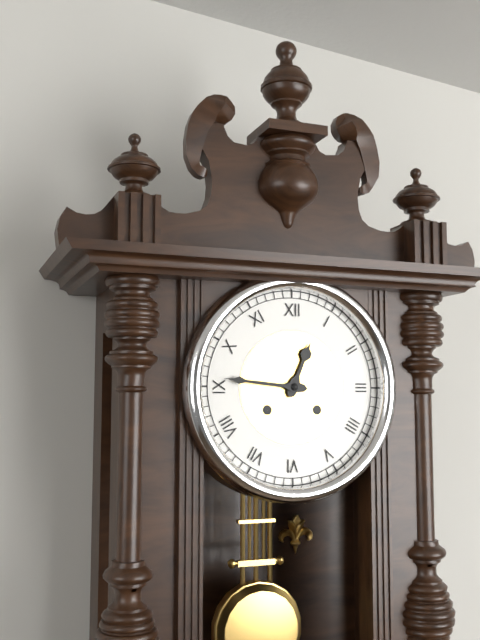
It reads 12.46
